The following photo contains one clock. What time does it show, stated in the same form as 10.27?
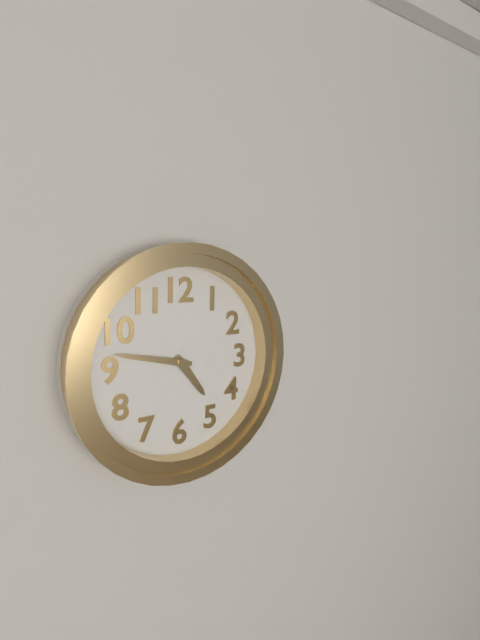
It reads 4.47
